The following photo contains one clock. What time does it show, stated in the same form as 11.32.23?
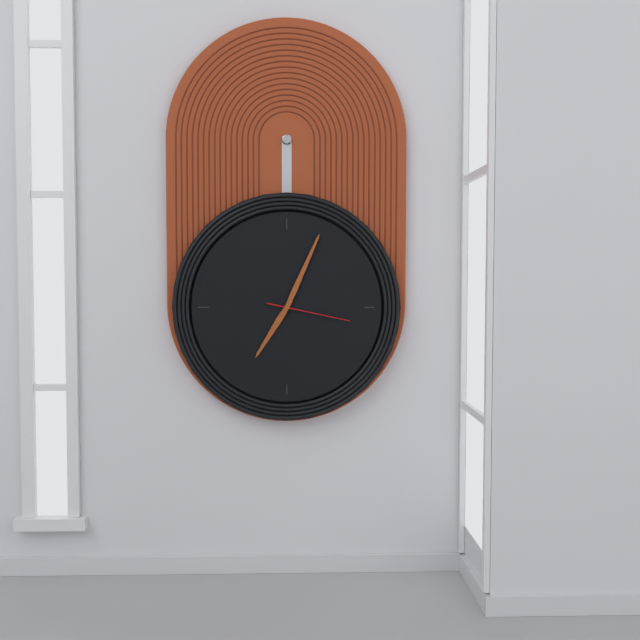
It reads 7.04.17
